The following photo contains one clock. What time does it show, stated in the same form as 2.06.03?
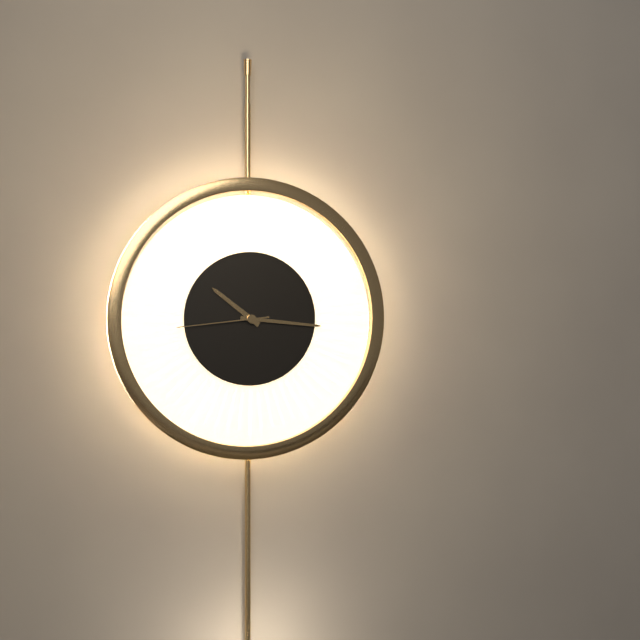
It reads 10.16.44
